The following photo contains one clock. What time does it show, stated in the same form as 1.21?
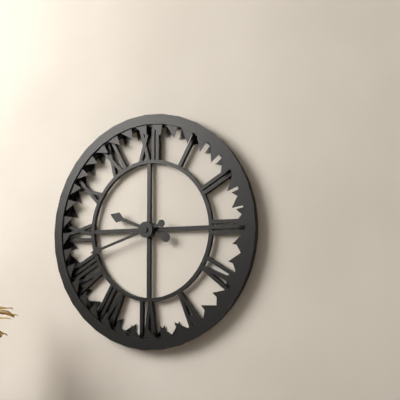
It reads 9.42
